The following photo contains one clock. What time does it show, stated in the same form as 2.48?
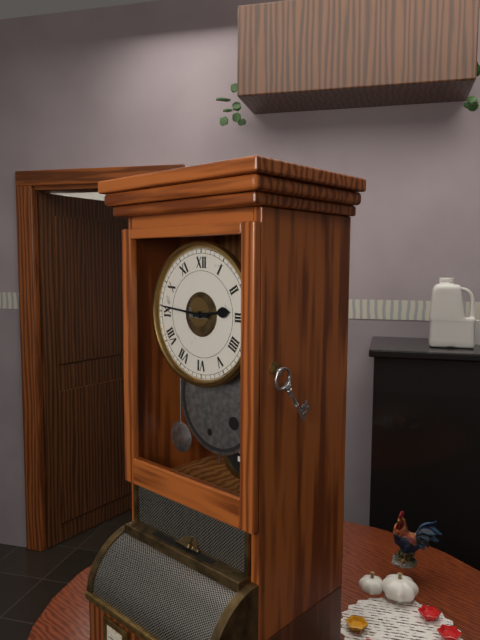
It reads 2.46
